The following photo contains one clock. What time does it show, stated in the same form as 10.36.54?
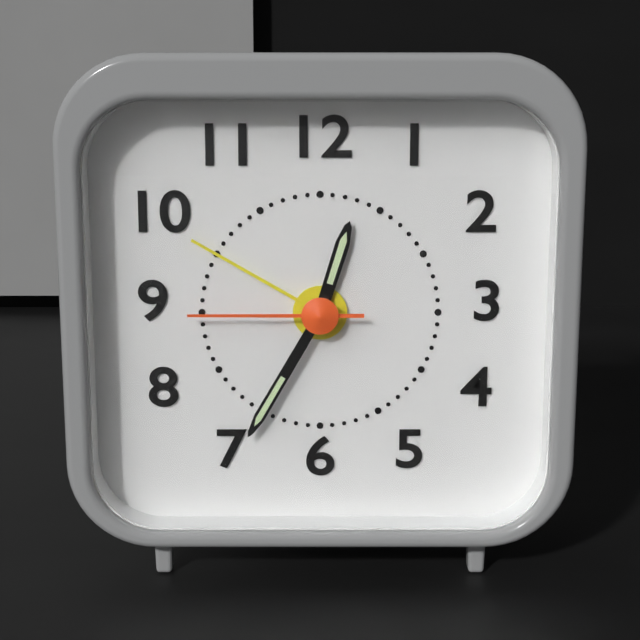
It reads 12.35.45
